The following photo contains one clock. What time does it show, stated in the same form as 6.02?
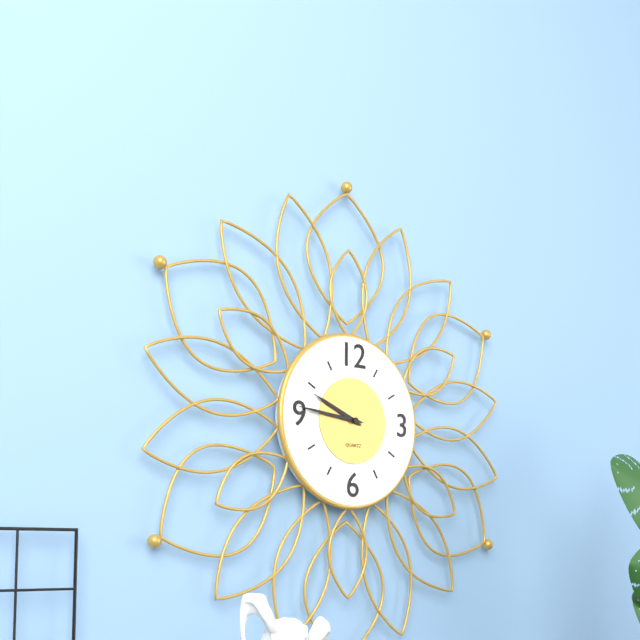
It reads 9.46
